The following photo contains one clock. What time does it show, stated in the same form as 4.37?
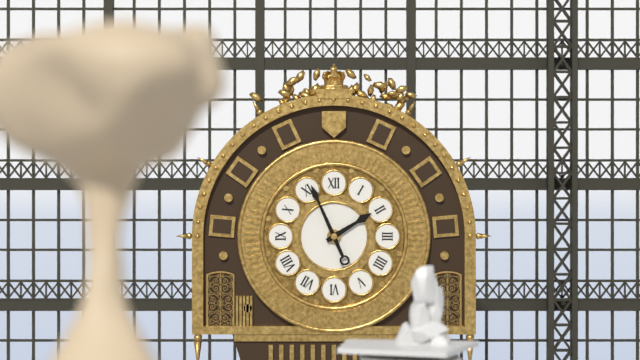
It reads 1.56
